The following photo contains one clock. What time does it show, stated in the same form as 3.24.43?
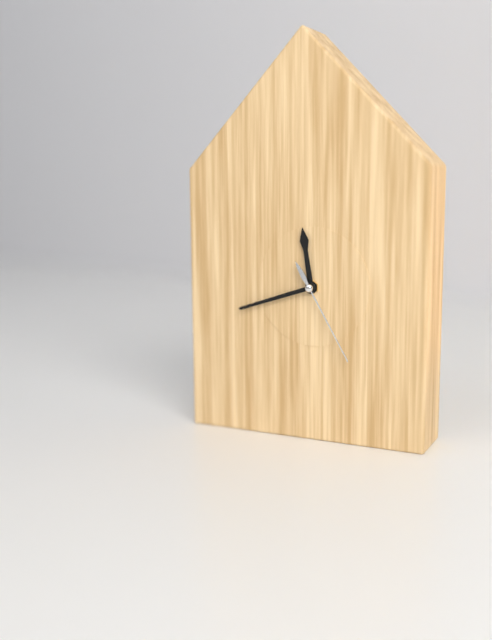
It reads 11.42.25
